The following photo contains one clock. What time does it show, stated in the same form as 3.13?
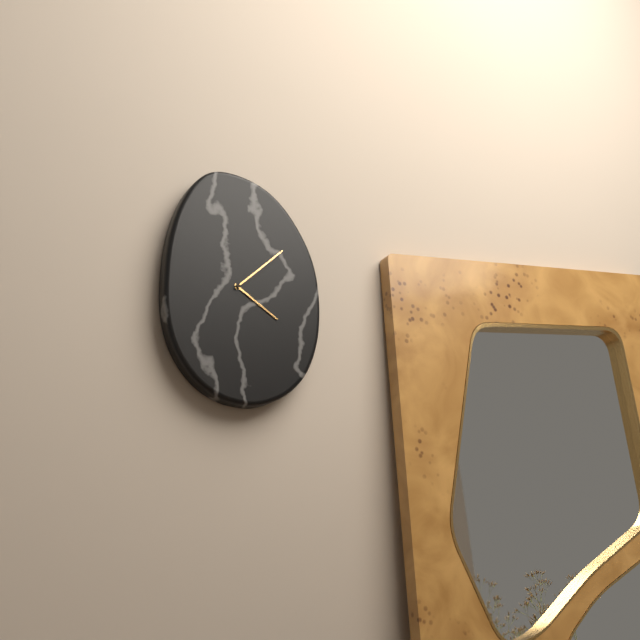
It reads 4.08
